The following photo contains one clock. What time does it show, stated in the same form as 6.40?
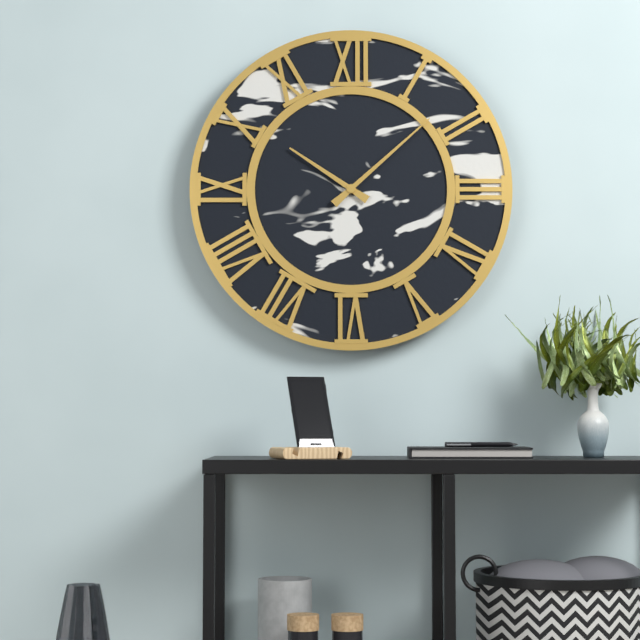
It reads 10.08
